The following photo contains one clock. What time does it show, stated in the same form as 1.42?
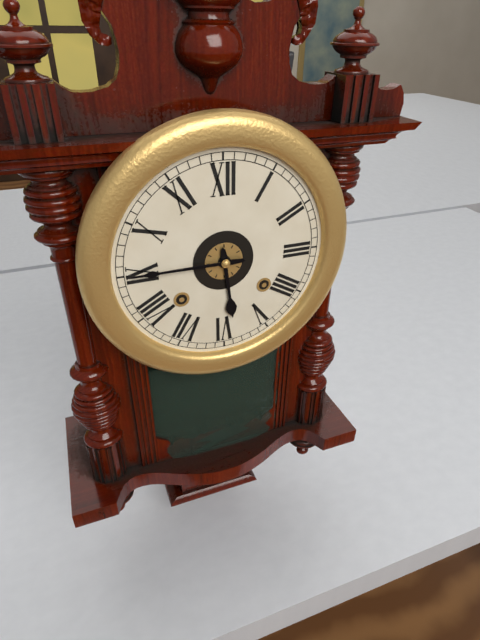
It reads 5.45
